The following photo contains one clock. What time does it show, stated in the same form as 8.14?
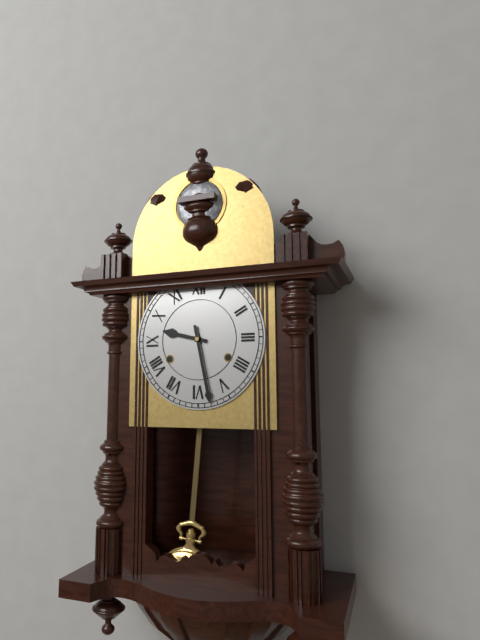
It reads 9.28
